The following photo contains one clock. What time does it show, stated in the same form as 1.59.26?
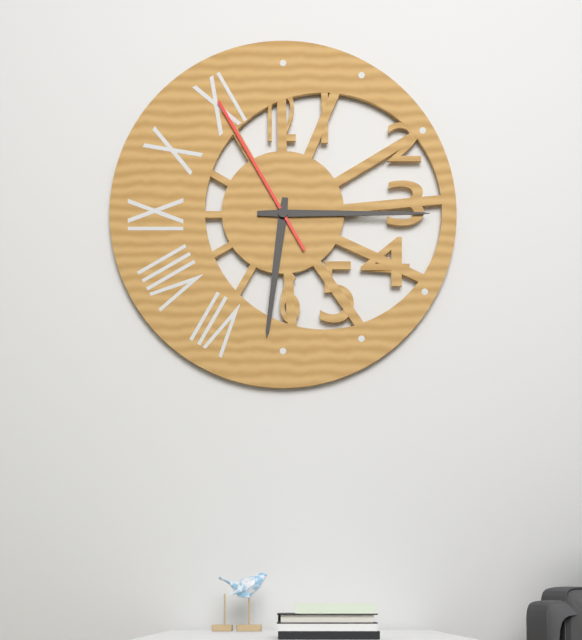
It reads 6.15.55
